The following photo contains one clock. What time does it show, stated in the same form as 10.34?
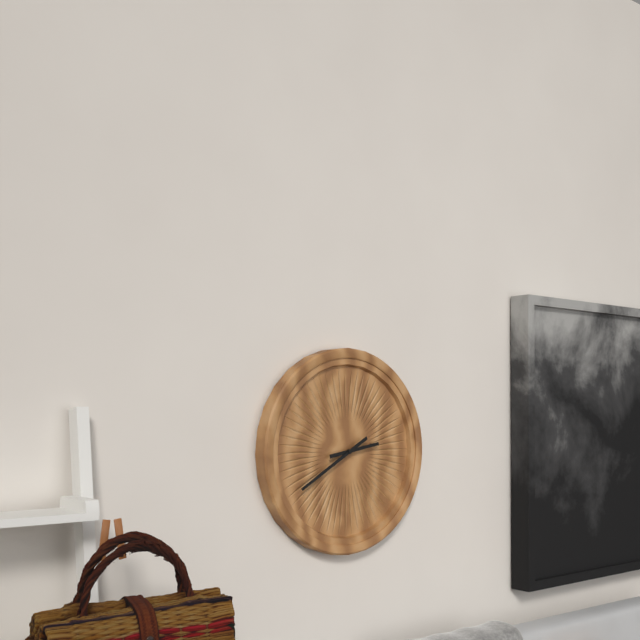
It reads 2.40
